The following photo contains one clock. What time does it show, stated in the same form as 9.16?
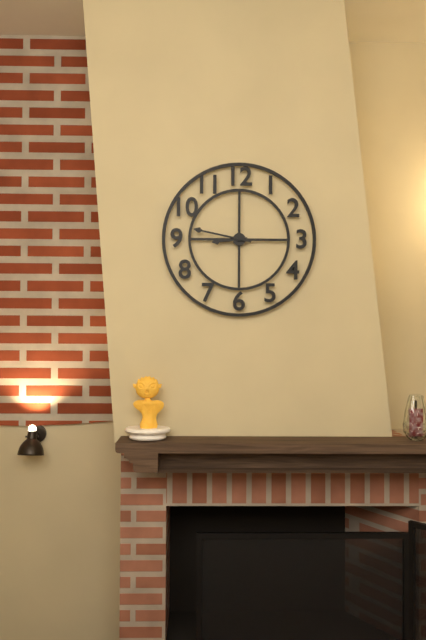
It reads 8.47
